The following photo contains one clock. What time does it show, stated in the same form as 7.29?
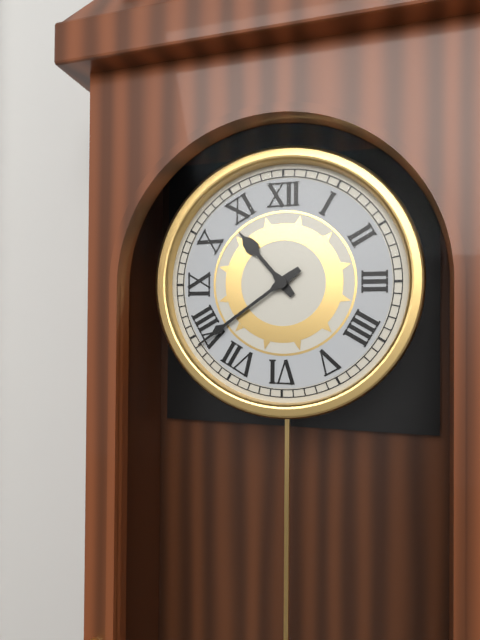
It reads 10.39
